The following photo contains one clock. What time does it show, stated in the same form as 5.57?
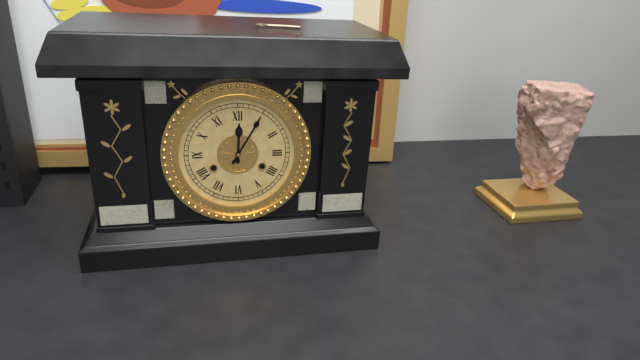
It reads 12.05
